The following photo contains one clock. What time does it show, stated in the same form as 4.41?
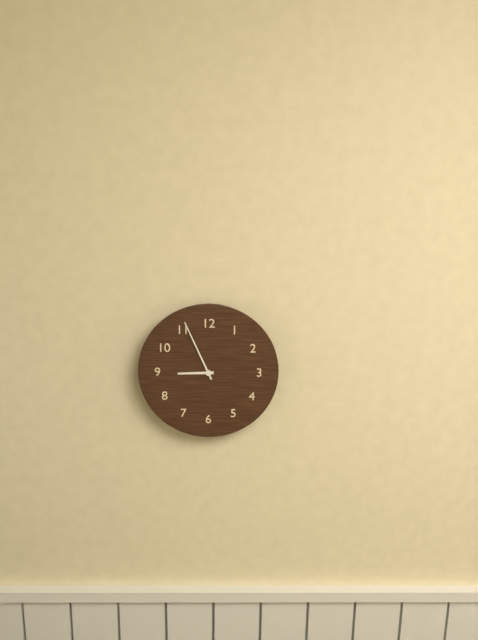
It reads 8.56
